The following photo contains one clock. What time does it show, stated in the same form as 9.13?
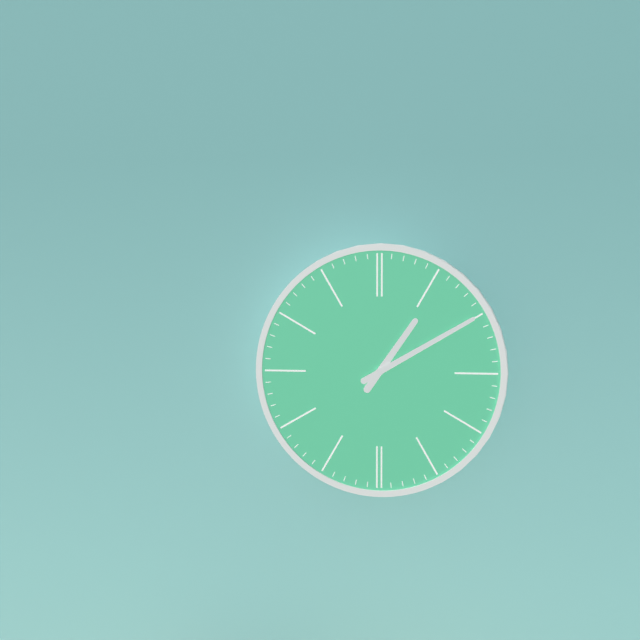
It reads 1.10
